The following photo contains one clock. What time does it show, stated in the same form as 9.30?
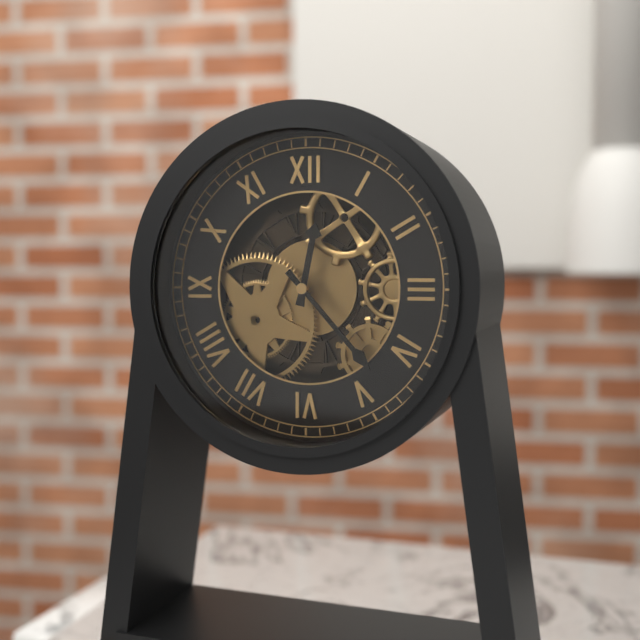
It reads 12.23
